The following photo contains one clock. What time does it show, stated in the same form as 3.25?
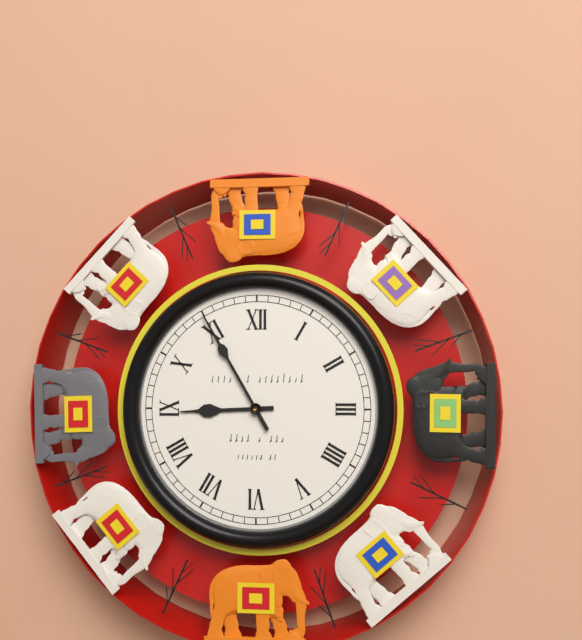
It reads 8.55
